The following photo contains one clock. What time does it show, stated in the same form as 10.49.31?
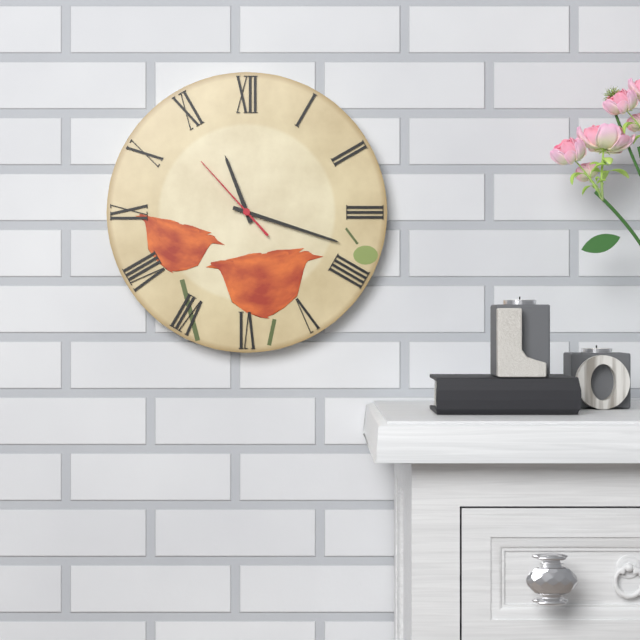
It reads 11.18.53
